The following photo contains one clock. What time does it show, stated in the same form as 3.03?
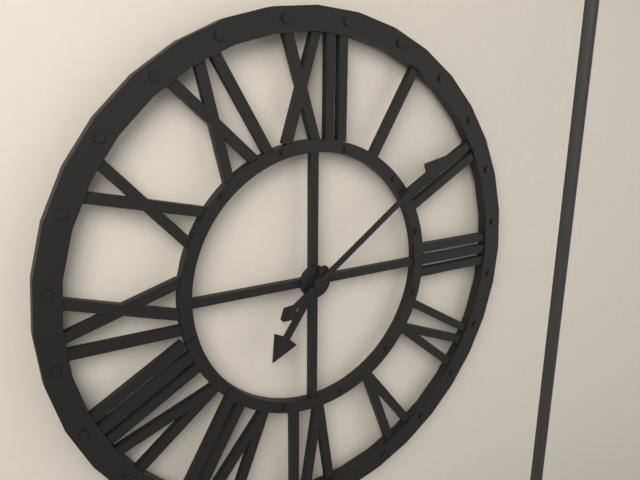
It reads 7.09
